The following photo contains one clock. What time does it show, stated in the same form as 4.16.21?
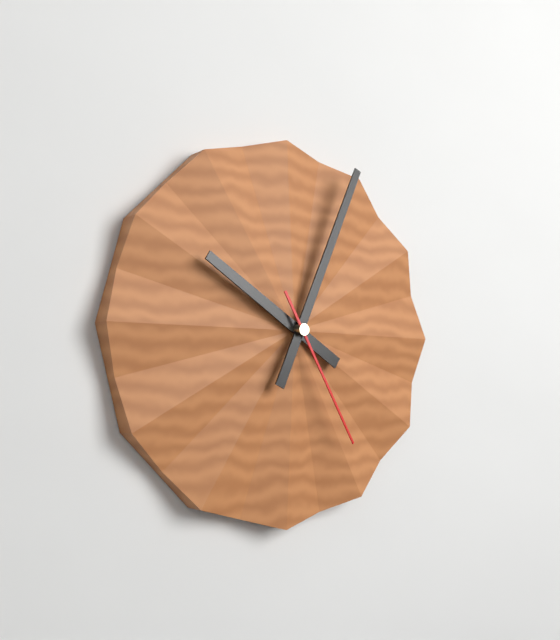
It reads 10.04.25
